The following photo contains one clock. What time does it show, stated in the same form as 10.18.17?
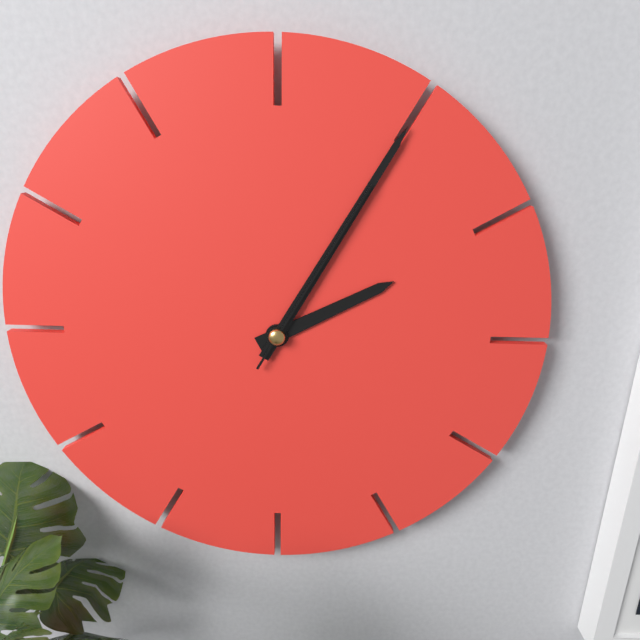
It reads 2.05.05
